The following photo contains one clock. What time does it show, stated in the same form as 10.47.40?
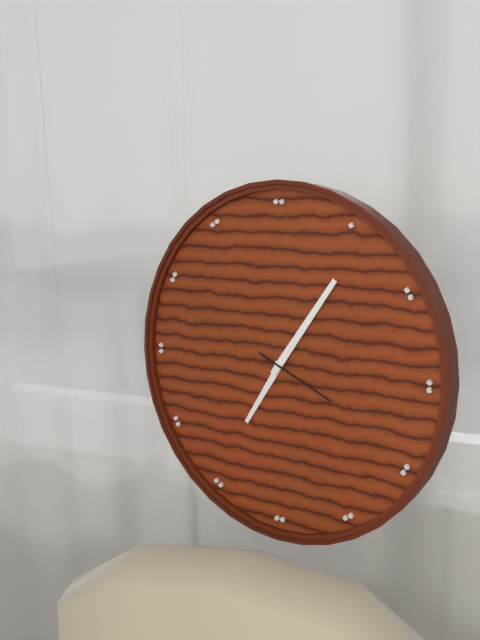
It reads 7.06.19
